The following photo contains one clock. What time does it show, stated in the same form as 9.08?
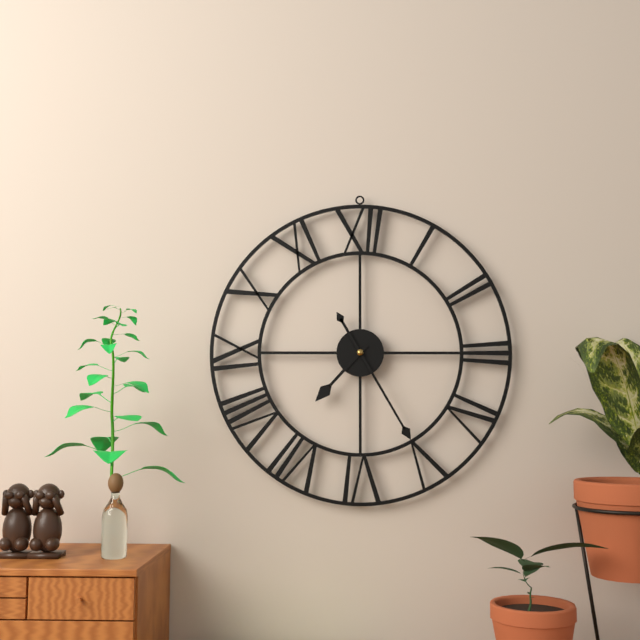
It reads 7.25
